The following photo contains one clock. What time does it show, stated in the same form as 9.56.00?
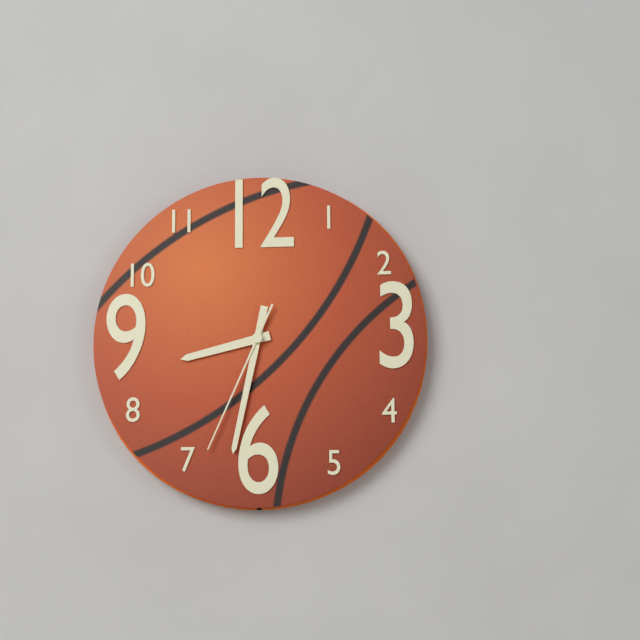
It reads 8.32.34
